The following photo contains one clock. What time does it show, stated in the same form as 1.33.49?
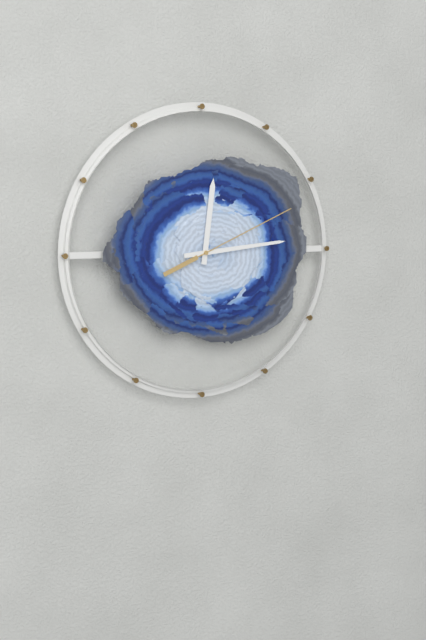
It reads 12.14.11
